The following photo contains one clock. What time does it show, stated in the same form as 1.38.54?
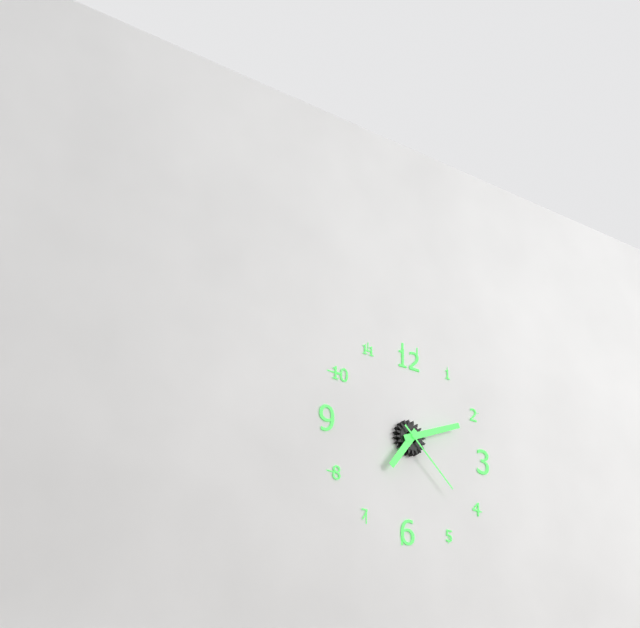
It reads 7.11.22
